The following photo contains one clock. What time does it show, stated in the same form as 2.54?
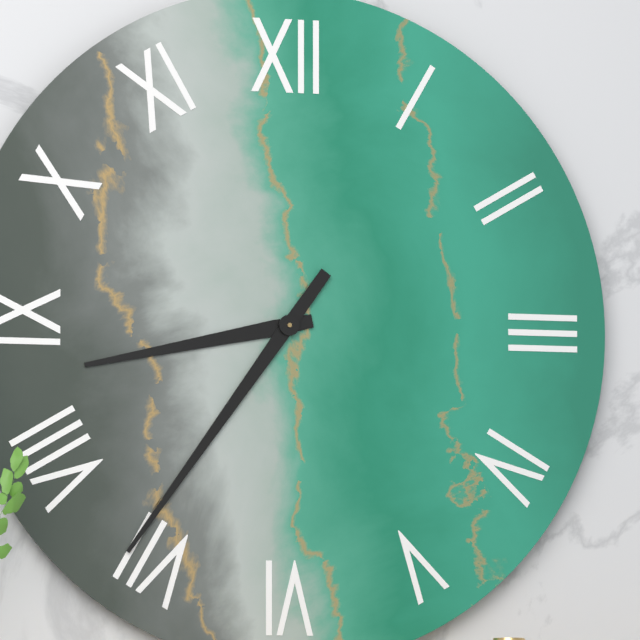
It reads 8.36
